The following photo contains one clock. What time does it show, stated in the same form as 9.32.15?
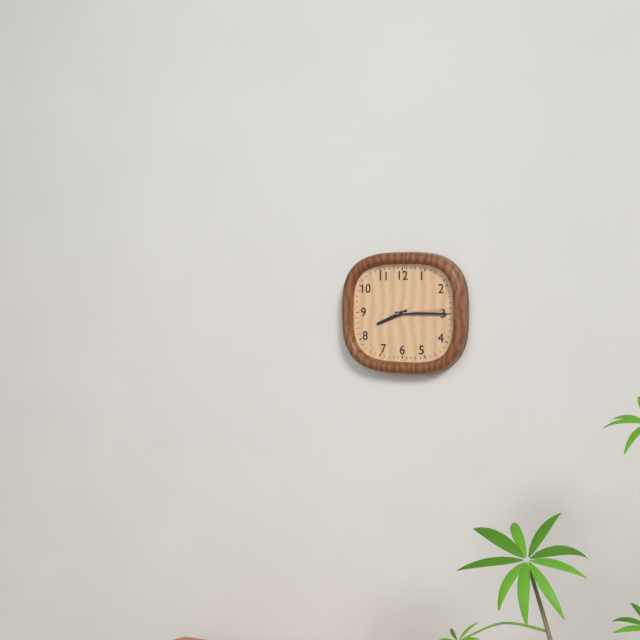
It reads 8.15.14
